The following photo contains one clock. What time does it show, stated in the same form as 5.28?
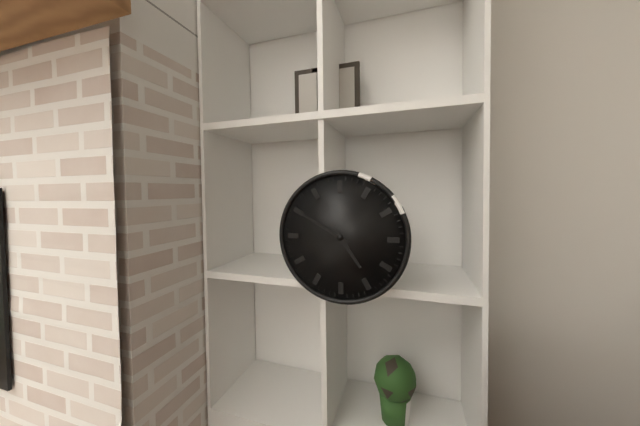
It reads 4.50
